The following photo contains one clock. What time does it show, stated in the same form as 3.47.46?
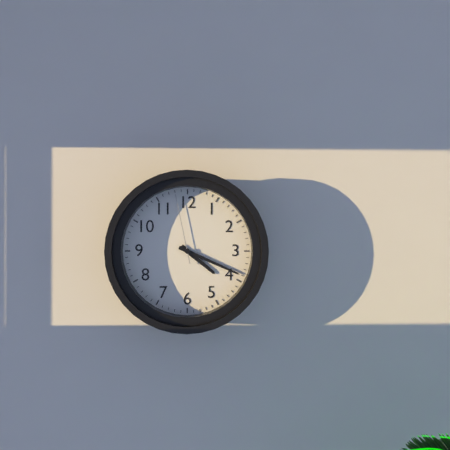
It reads 4.19.58
